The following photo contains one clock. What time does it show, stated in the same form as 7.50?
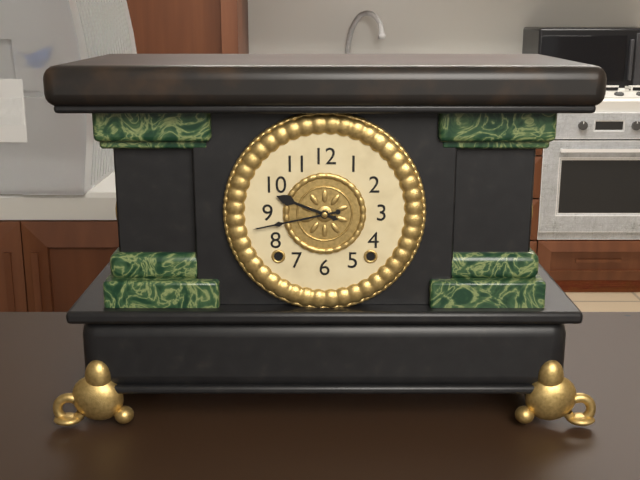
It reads 9.43
